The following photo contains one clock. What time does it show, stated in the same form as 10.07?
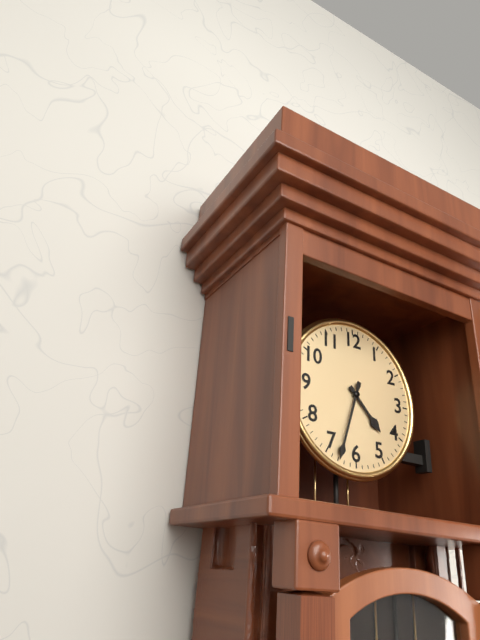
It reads 4.33
